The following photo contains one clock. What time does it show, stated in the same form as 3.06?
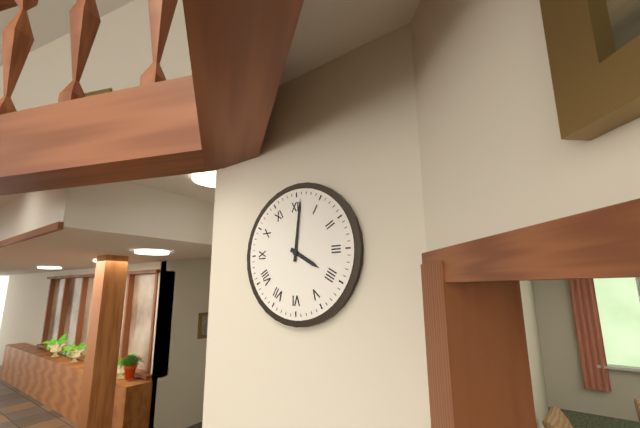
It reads 4.01
